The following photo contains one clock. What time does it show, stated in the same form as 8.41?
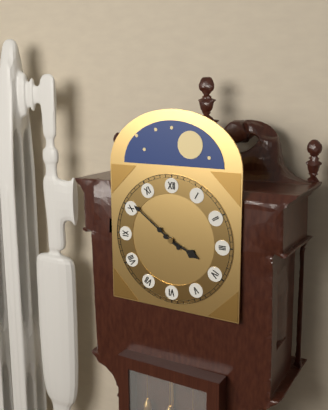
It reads 3.51
